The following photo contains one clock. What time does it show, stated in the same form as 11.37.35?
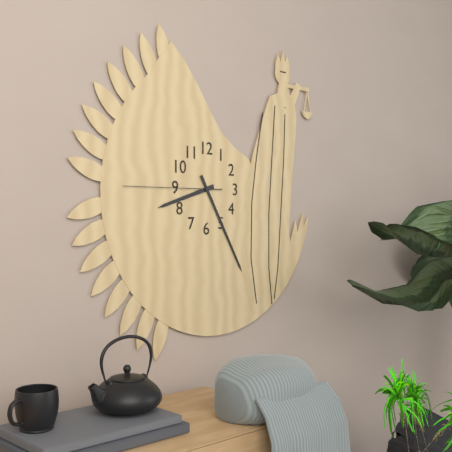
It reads 8.25.45
